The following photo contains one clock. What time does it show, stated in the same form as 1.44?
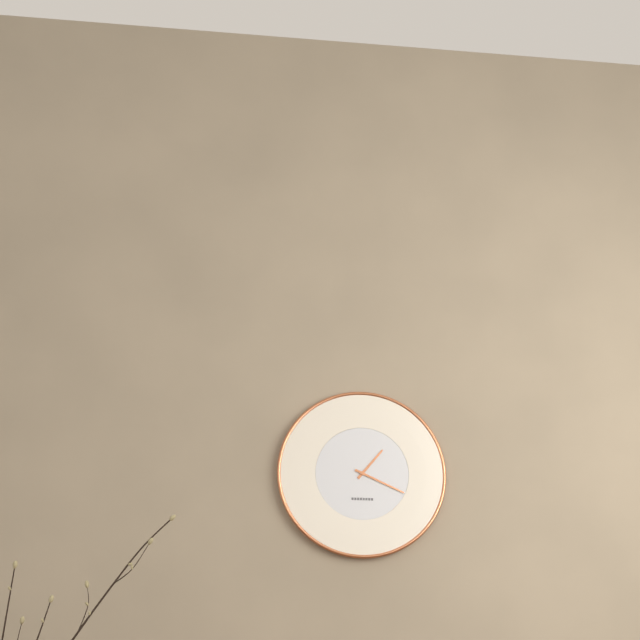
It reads 1.19
